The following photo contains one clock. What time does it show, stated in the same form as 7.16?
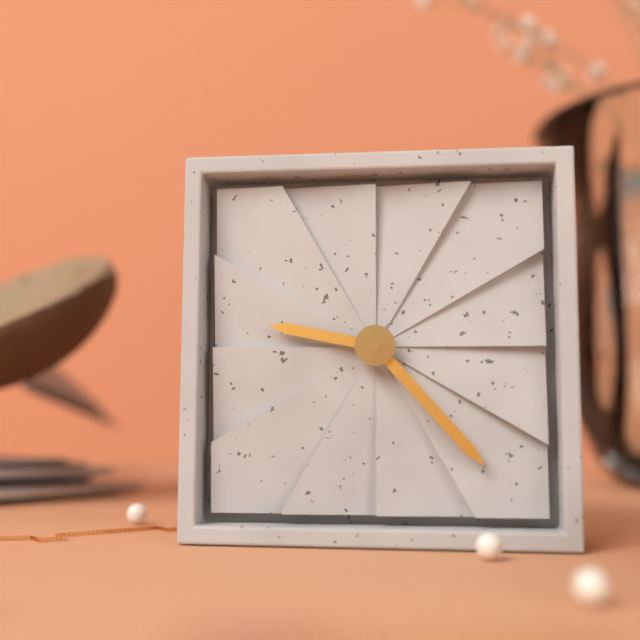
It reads 9.23
